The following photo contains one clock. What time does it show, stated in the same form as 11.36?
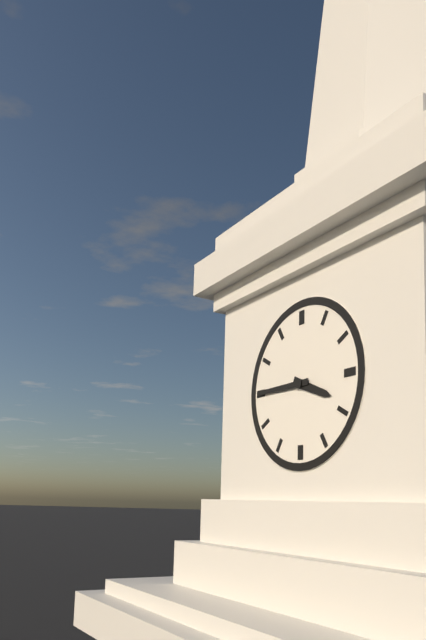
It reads 3.45
